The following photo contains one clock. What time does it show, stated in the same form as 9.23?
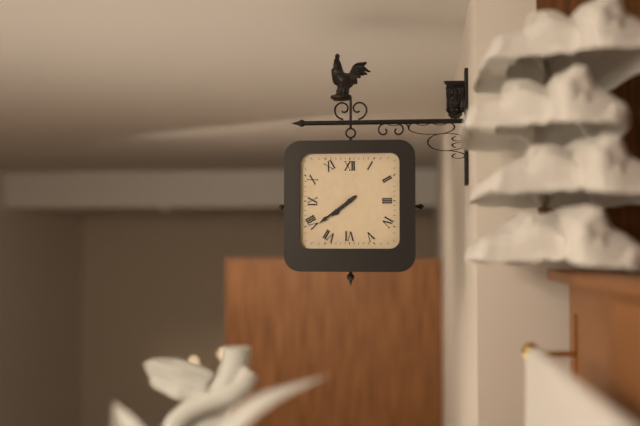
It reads 7.39
